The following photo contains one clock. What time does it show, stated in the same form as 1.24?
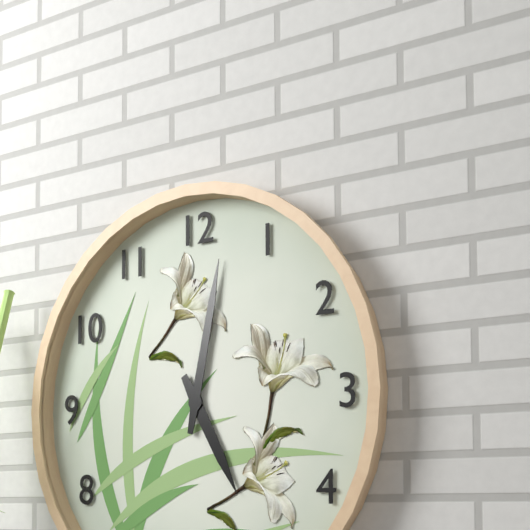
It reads 5.02
